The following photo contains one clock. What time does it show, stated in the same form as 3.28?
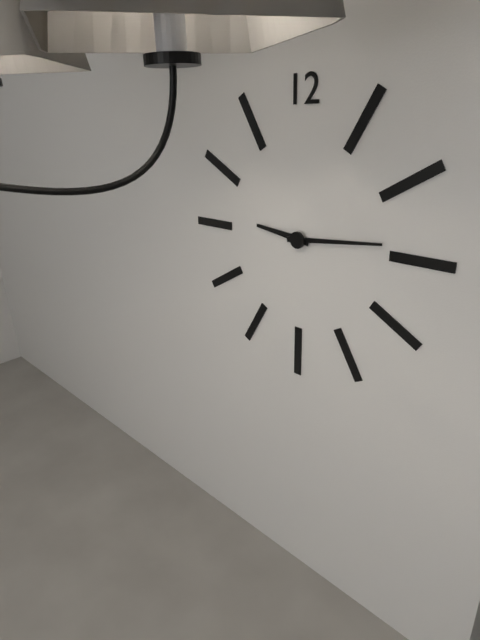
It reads 9.14
